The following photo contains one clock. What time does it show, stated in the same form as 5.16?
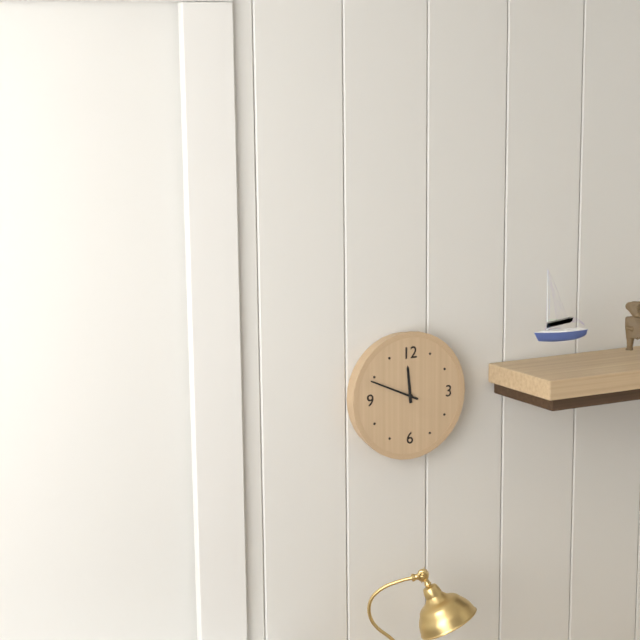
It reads 11.49
